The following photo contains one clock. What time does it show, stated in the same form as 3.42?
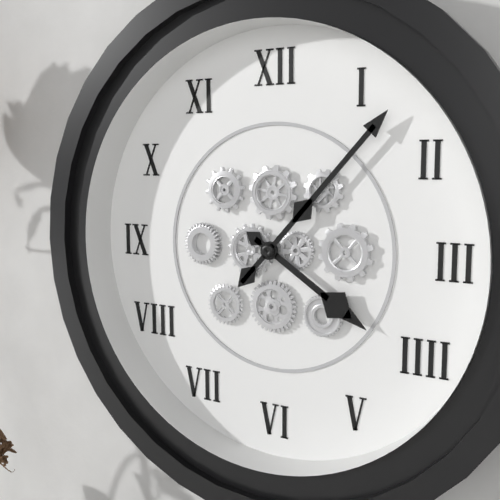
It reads 4.07
